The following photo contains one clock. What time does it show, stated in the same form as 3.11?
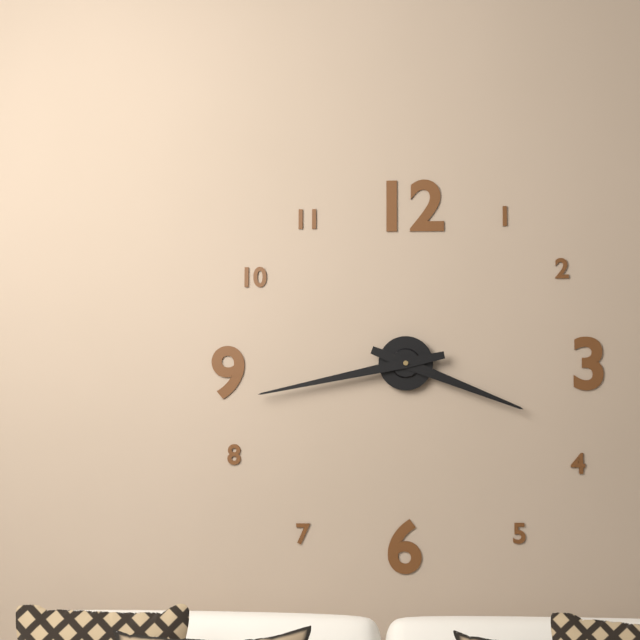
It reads 3.43
